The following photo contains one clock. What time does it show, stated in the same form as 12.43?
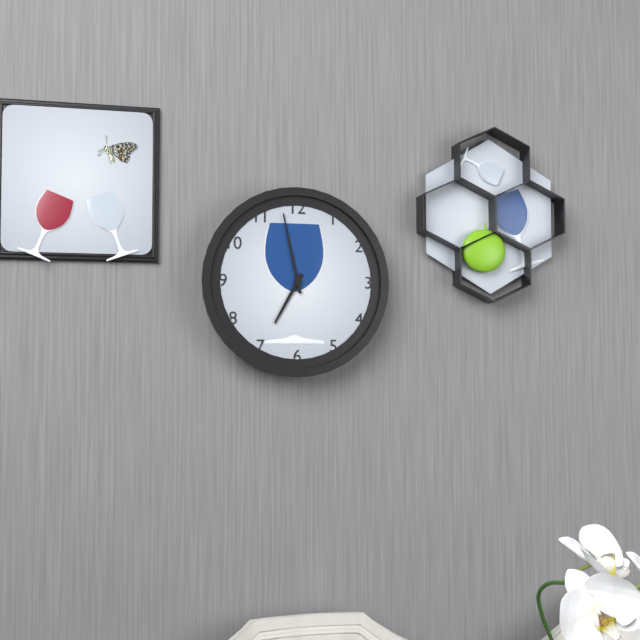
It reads 6.58
